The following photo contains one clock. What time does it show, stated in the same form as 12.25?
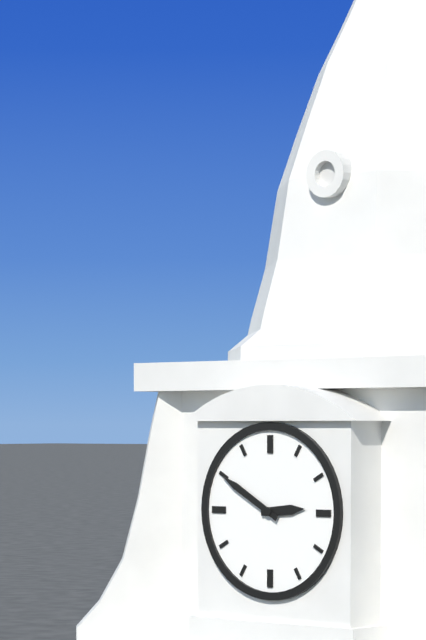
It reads 2.50
